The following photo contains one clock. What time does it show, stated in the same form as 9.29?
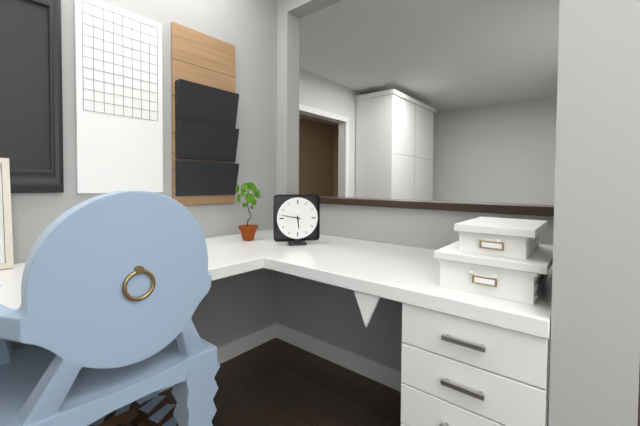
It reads 5.47
